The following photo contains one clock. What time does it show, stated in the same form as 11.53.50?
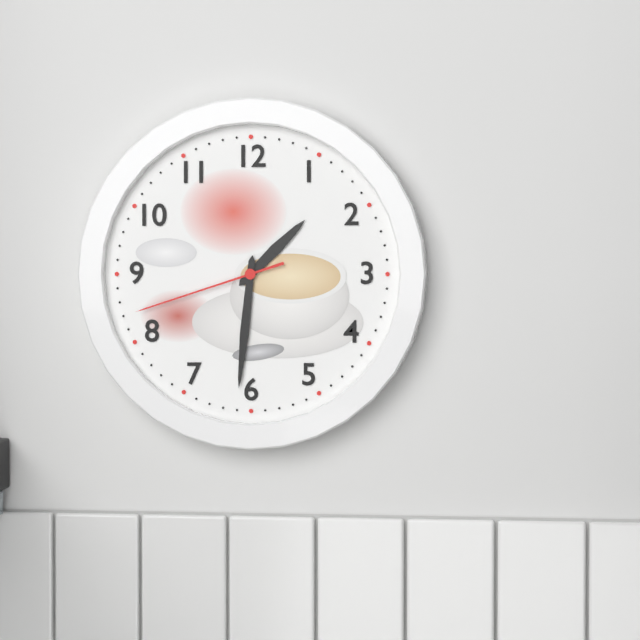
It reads 1.31.42
